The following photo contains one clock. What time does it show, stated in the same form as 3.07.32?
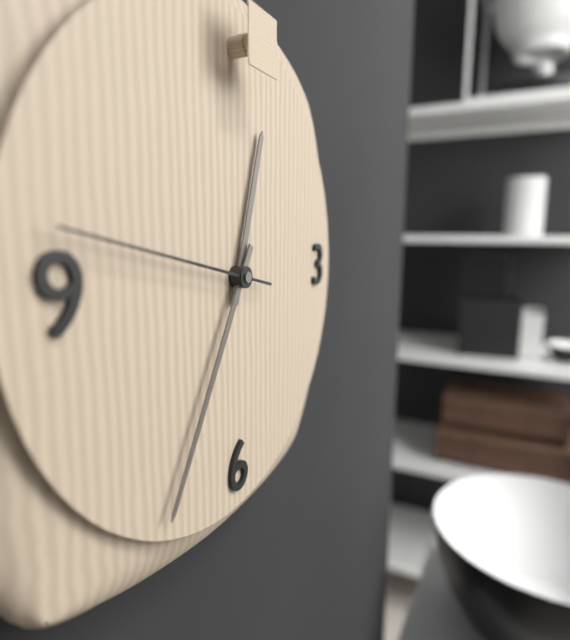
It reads 12.35.47
